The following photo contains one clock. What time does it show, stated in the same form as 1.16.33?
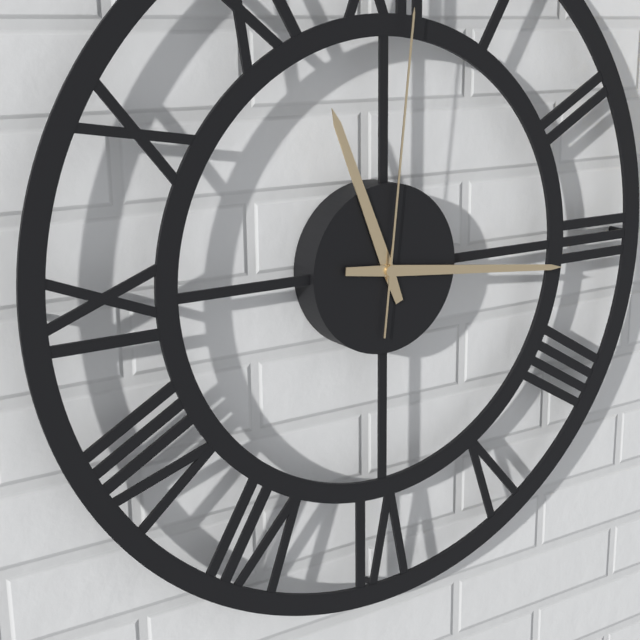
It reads 11.16.01
